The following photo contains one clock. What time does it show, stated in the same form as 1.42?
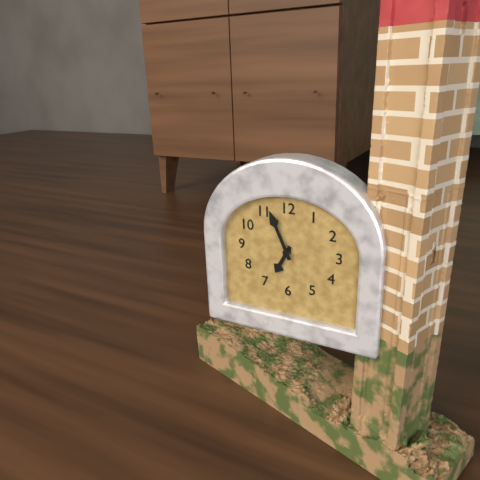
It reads 6.56
